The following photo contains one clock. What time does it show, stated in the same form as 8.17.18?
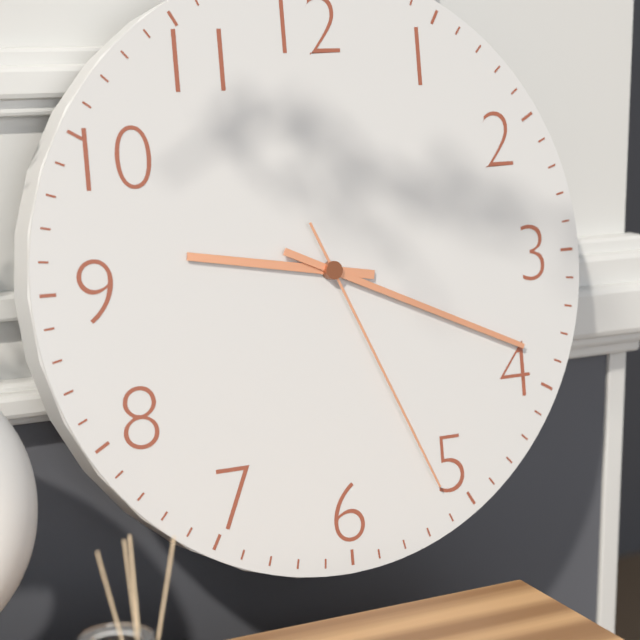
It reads 9.19.26
